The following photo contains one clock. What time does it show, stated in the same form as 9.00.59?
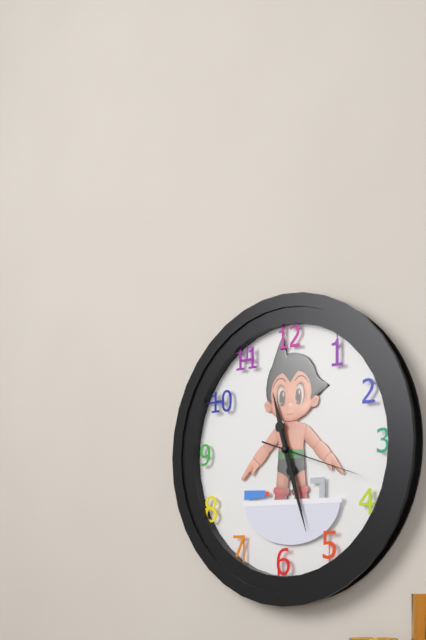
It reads 11.27.18
